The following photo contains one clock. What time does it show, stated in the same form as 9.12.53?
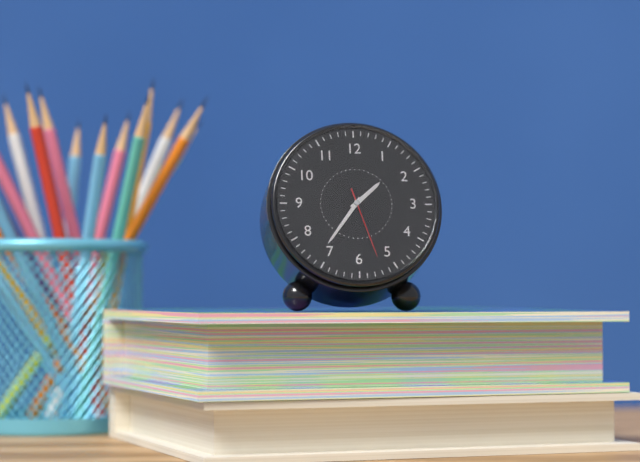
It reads 1.36.27
